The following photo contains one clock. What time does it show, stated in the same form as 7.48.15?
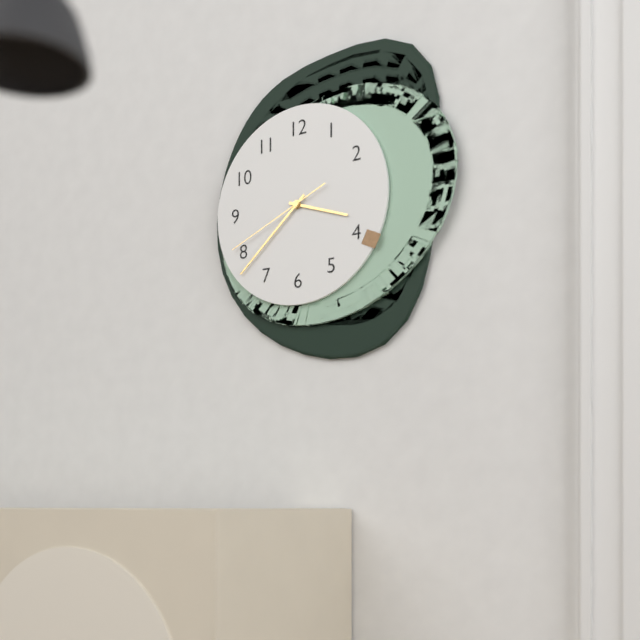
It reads 3.38.41
